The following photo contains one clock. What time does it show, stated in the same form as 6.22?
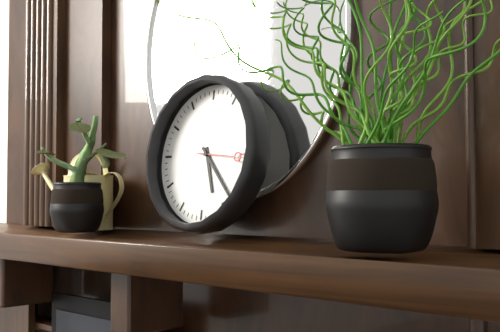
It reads 5.23
